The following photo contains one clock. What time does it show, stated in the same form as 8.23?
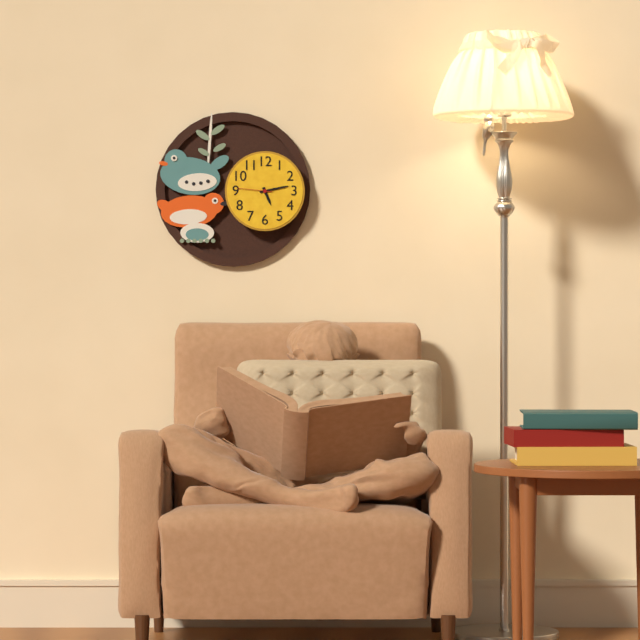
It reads 5.13
